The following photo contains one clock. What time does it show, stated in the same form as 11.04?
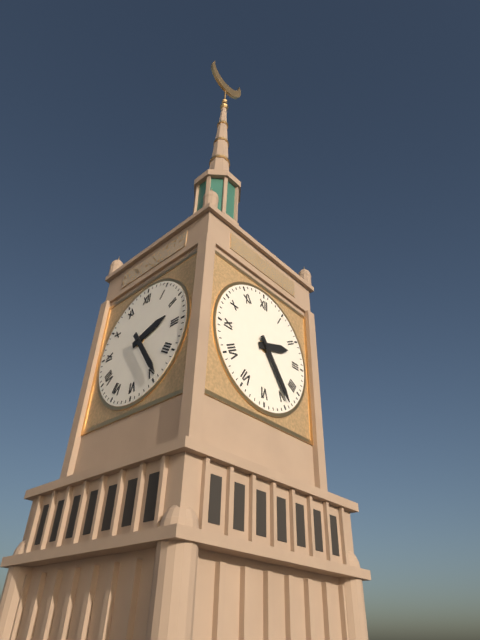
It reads 2.24
